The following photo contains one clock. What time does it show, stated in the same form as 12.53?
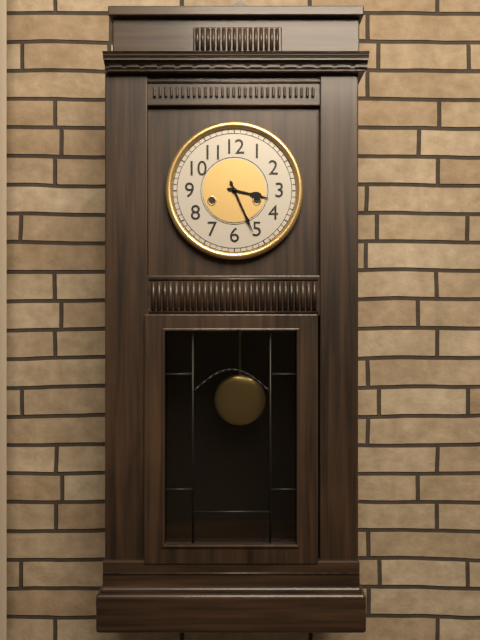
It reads 3.26
